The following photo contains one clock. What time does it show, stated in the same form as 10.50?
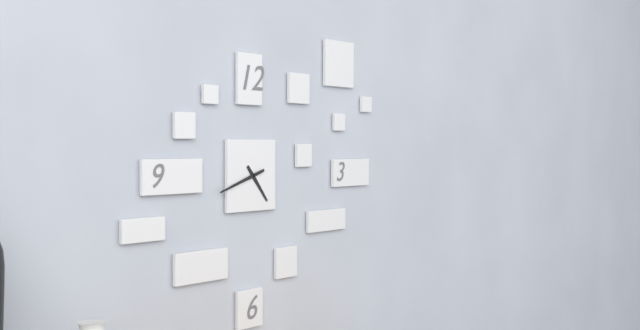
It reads 4.42
